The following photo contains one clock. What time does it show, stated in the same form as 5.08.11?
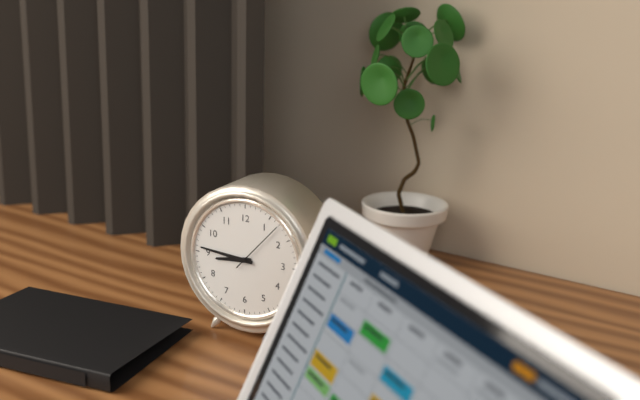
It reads 8.46.07
